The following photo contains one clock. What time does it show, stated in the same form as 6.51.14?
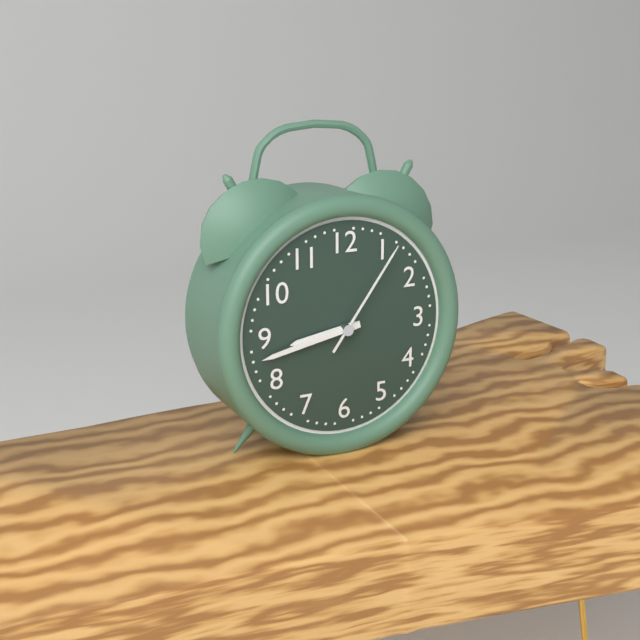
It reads 8.43.06
